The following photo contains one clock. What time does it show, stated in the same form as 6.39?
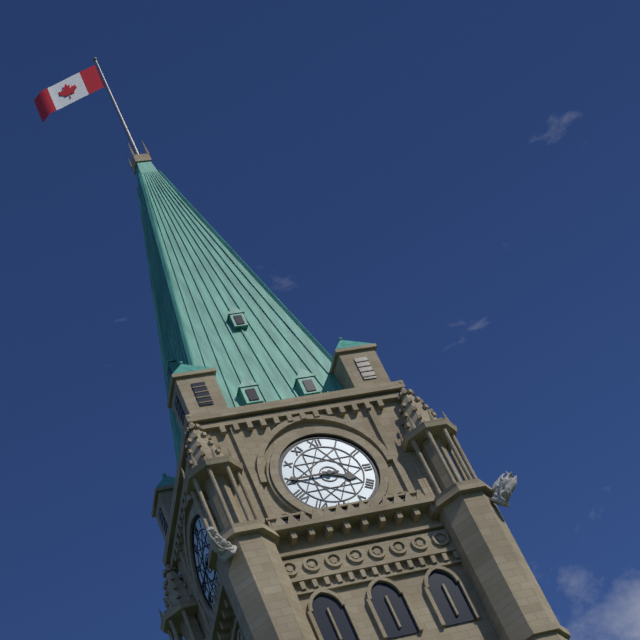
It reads 3.45
